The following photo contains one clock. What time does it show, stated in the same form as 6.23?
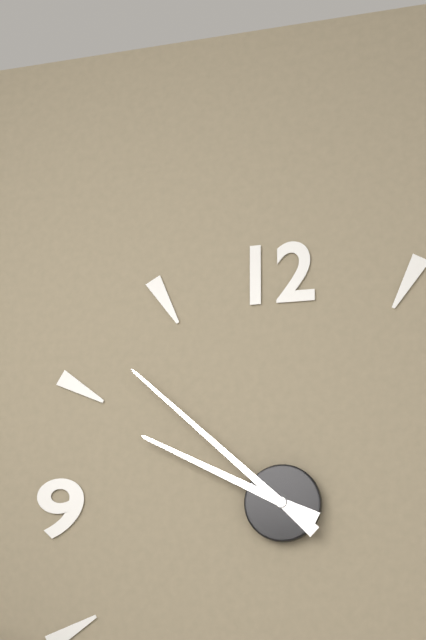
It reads 9.52
